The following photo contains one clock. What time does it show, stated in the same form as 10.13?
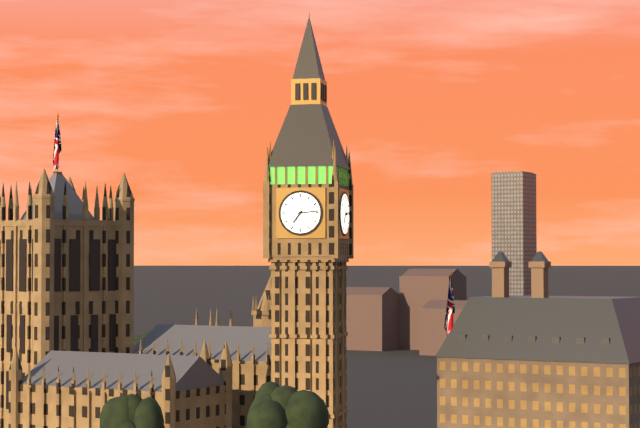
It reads 7.14
